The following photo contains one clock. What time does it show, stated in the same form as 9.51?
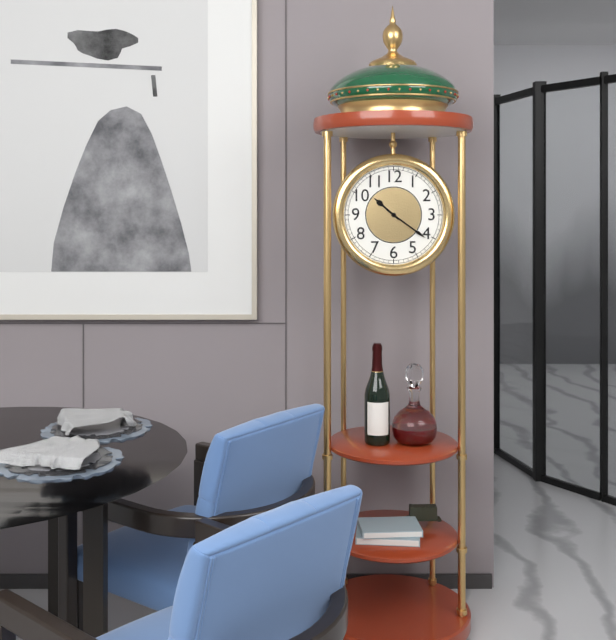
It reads 10.21
